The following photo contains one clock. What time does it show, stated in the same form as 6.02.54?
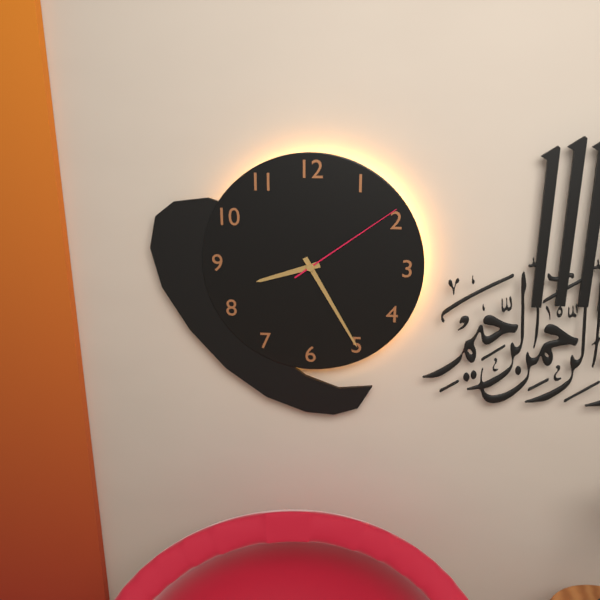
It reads 8.25.09
